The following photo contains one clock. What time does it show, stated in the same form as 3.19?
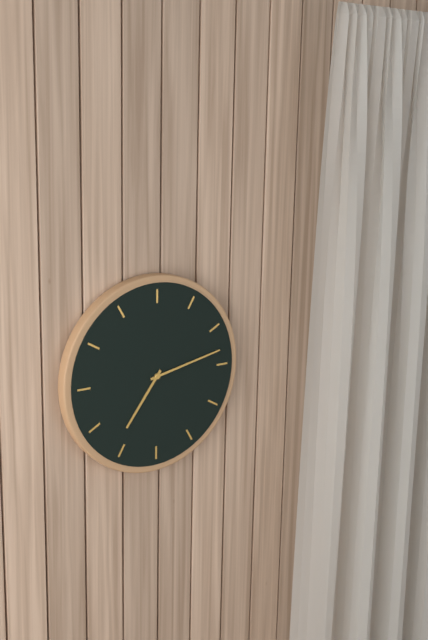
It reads 7.13
